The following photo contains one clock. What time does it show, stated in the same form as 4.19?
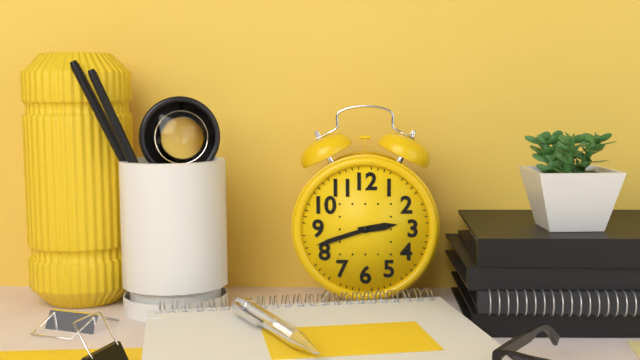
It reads 2.42
